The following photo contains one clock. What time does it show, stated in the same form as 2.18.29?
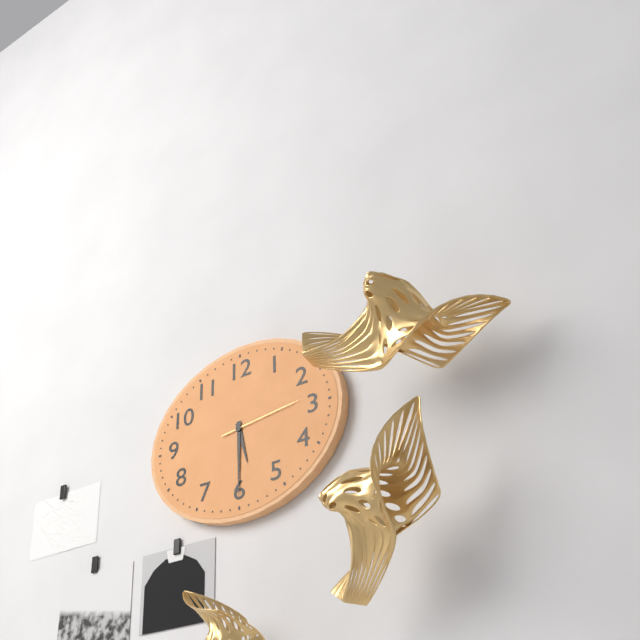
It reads 5.30.14
